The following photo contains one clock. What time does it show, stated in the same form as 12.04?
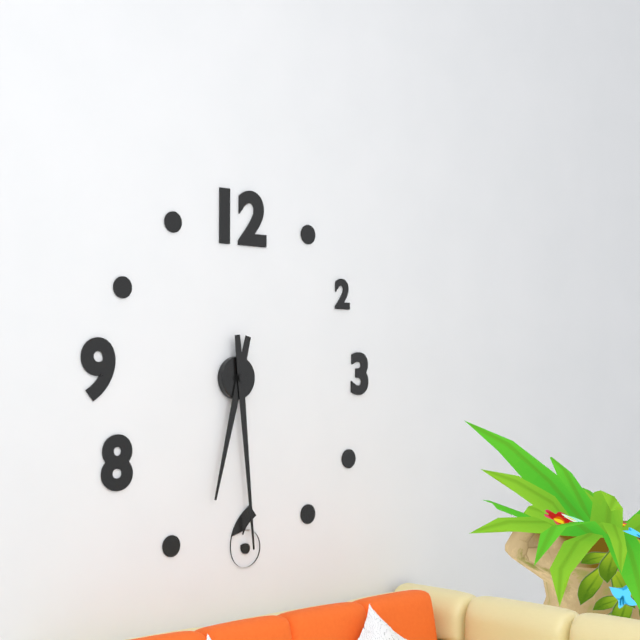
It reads 6.29
